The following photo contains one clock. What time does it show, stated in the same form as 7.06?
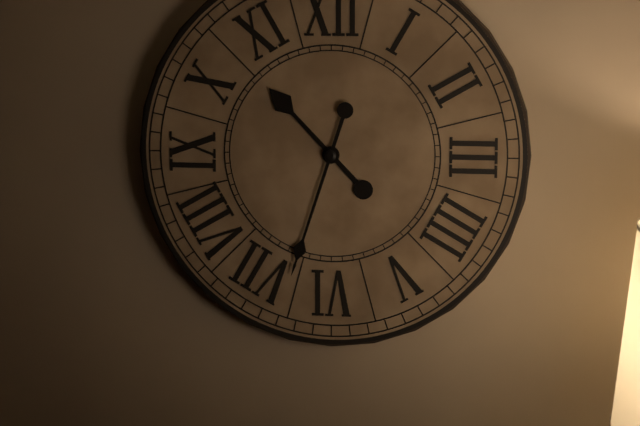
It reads 10.33
